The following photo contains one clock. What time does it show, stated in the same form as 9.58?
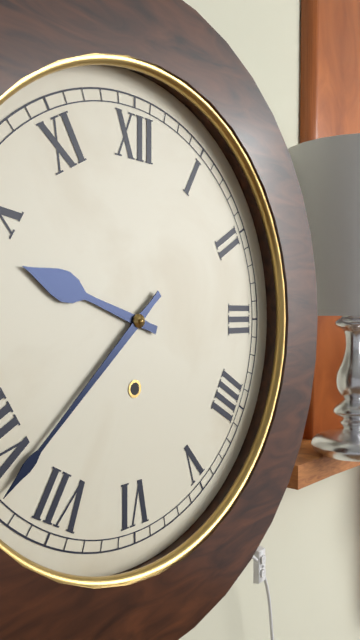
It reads 9.38
